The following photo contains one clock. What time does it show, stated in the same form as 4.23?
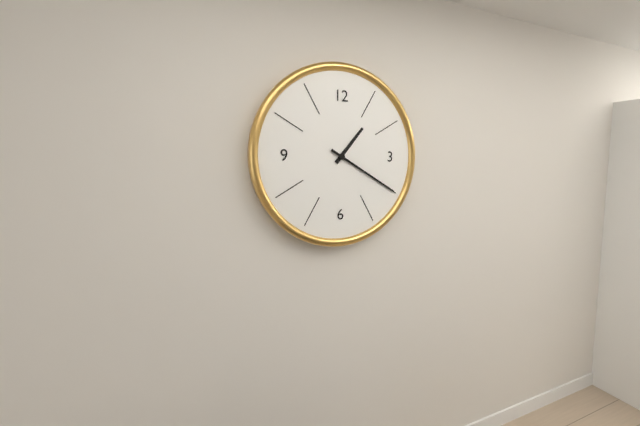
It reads 1.20
